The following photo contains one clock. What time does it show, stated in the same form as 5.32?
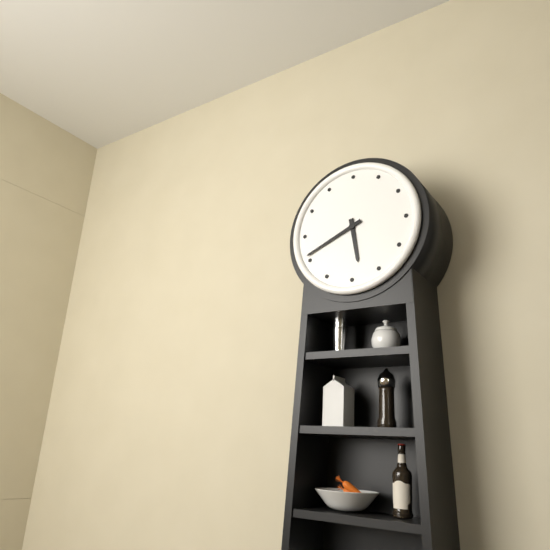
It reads 5.41
